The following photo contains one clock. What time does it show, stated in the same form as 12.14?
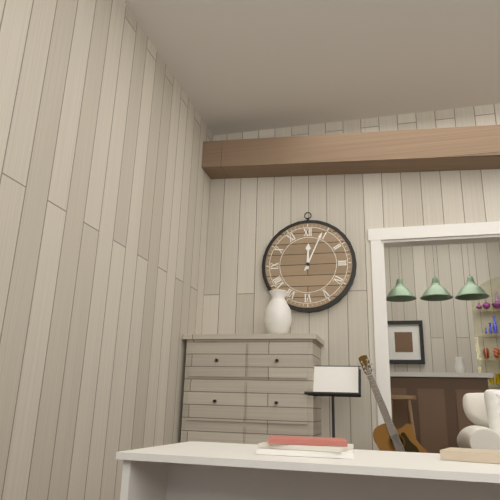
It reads 12.04
